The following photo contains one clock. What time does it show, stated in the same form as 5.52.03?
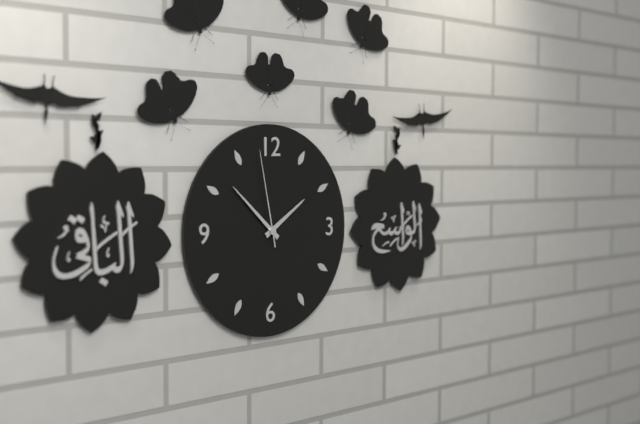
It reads 1.52.58
